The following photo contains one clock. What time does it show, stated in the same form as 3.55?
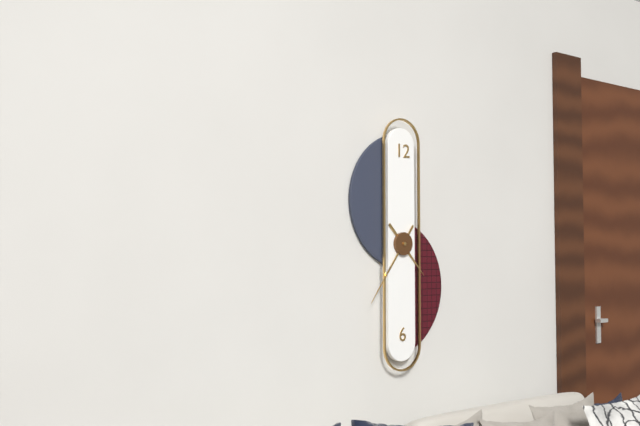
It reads 4.36
